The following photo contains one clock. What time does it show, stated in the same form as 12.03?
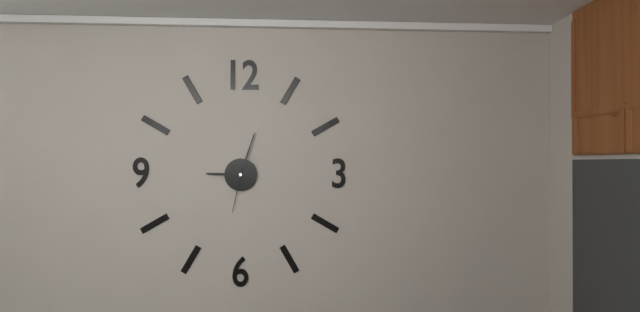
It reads 9.03
